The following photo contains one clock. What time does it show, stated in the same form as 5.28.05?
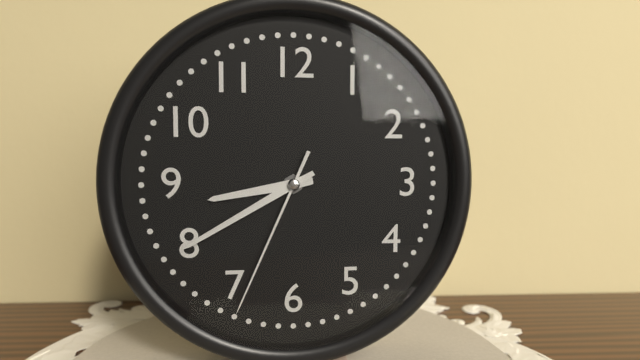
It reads 8.40.34
